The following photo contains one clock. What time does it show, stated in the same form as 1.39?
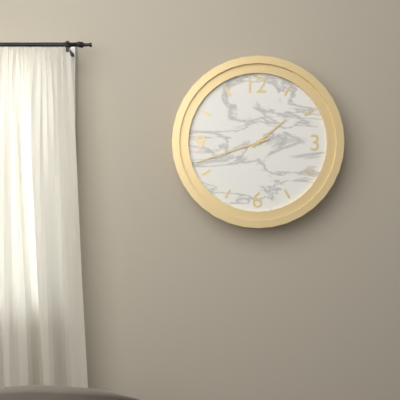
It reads 1.42
